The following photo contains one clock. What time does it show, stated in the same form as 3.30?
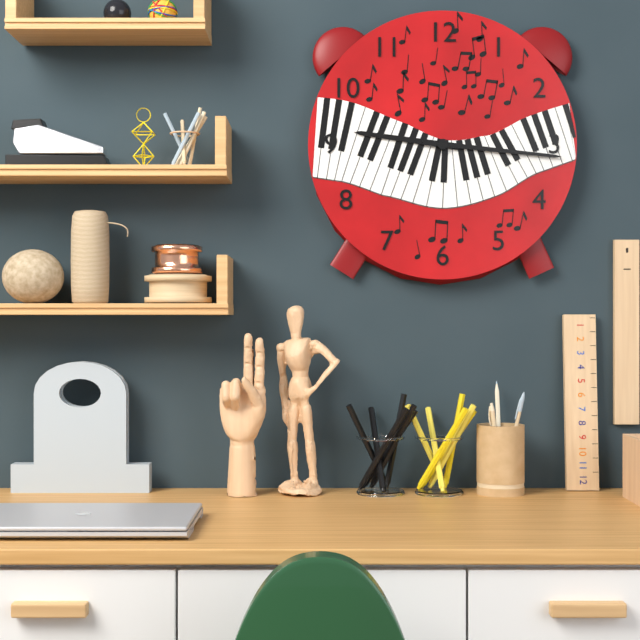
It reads 9.16
